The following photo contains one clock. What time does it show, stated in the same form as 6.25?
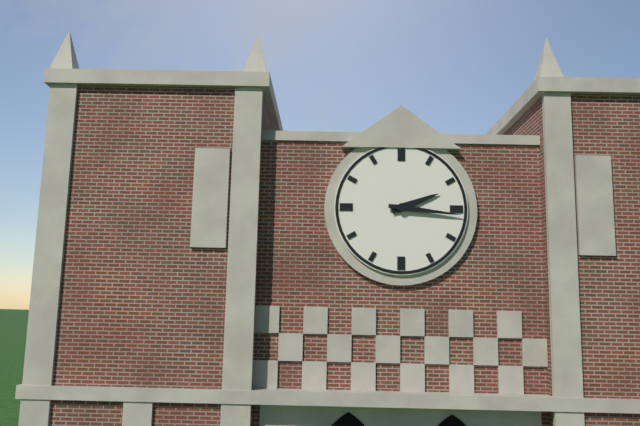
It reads 2.16
